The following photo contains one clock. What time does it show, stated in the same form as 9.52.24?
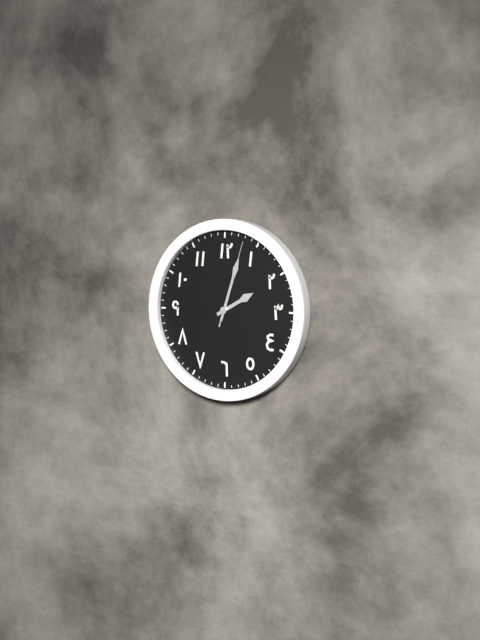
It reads 2.03.03
